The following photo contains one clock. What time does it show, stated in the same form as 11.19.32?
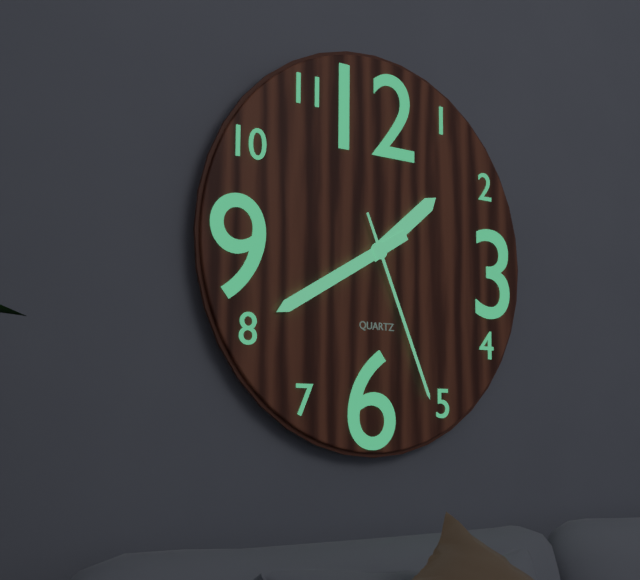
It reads 1.40.26
